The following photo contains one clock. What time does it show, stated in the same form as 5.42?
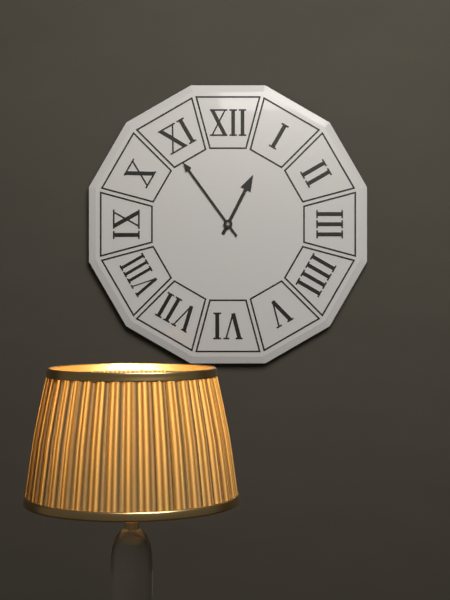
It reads 12.54
